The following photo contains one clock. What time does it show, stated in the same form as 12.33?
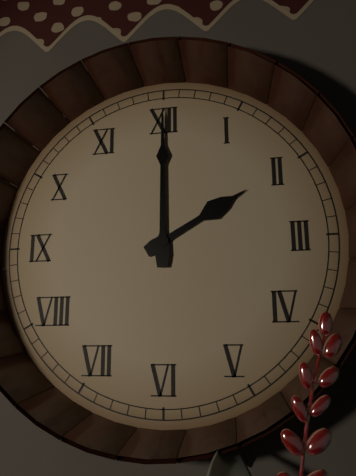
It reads 2.00
